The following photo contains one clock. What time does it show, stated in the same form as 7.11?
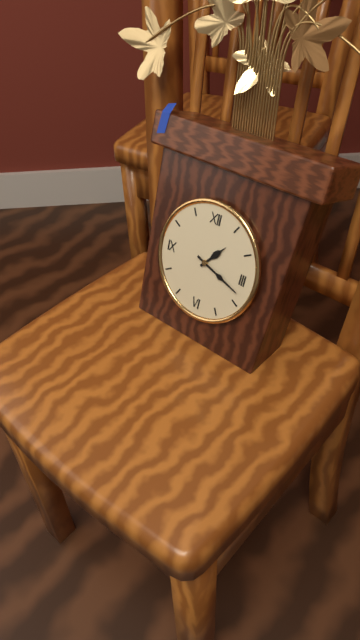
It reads 1.18
